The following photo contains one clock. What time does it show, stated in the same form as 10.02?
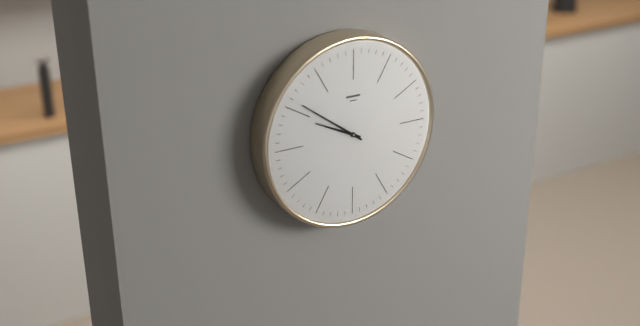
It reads 9.51
